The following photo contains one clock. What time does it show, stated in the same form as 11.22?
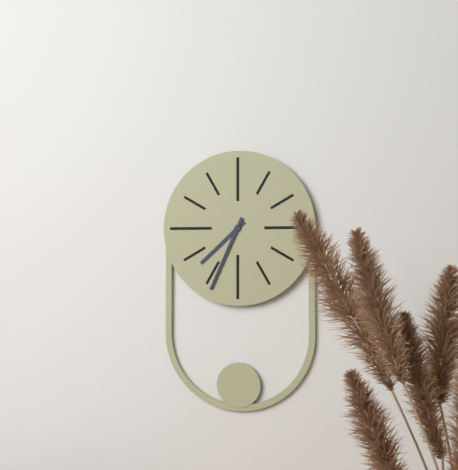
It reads 7.34
